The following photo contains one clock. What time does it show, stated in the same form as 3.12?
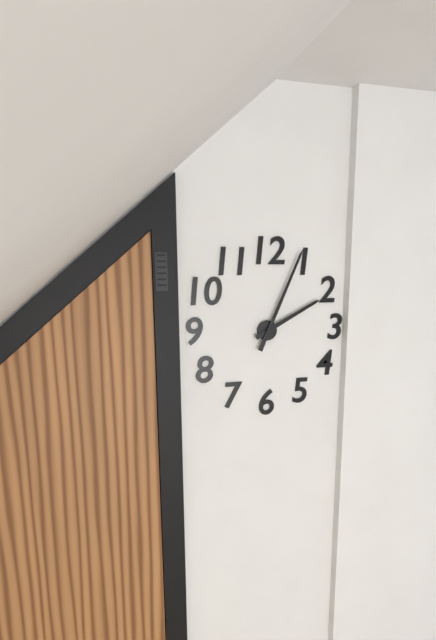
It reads 2.04
